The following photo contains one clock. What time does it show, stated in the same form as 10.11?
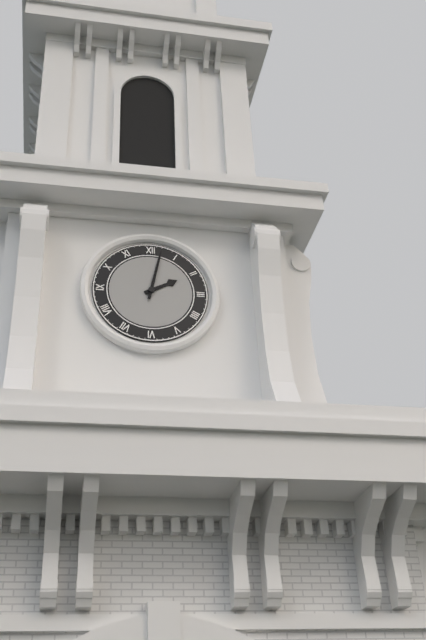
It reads 2.02
